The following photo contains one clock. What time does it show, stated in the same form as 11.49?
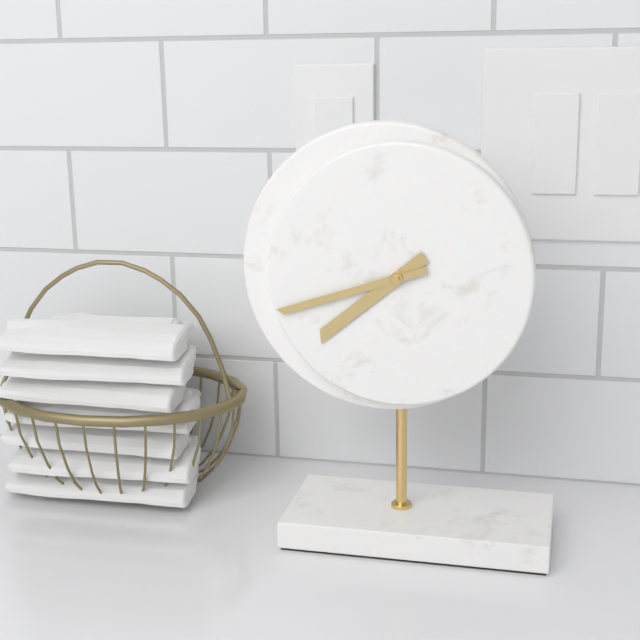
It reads 7.42
